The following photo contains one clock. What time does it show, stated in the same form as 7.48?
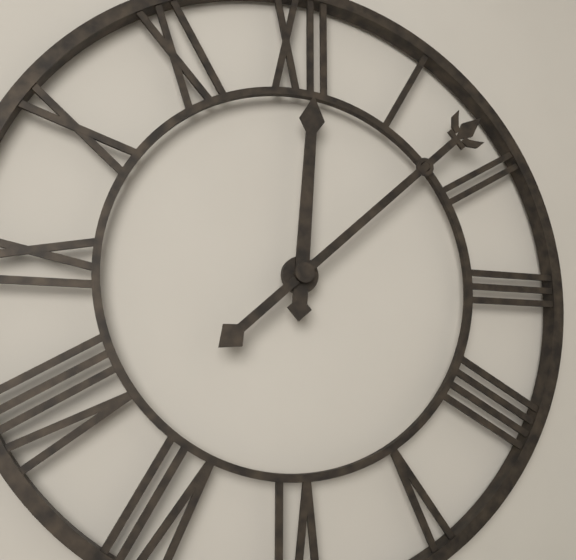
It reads 12.08
